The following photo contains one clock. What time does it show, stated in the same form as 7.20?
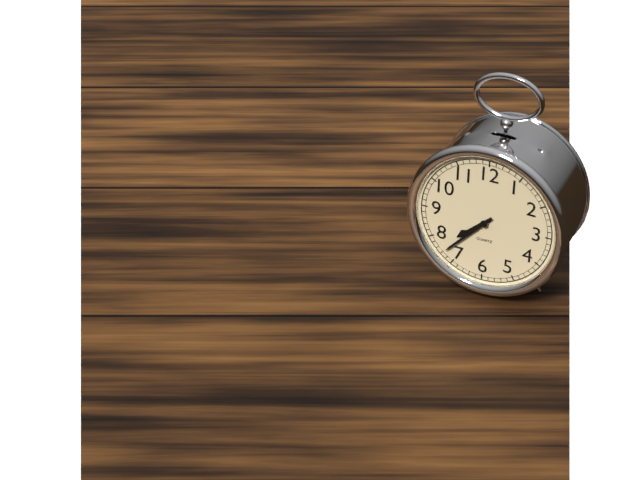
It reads 7.37
